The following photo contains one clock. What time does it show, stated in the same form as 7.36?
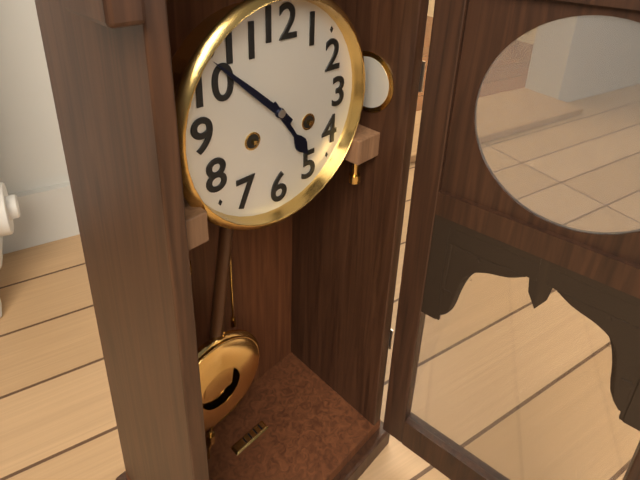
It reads 4.52
